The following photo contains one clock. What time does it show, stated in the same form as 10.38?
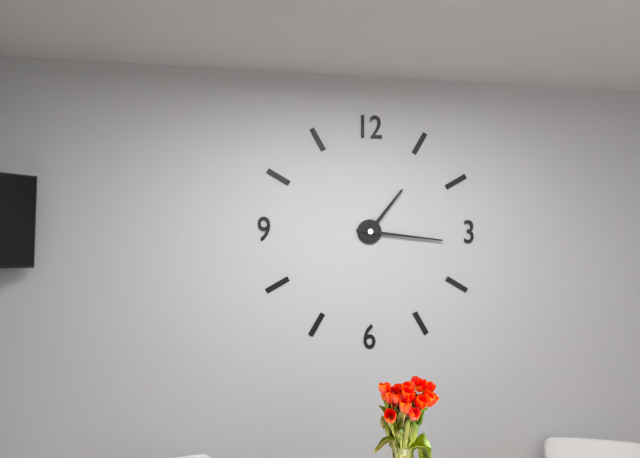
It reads 1.16
